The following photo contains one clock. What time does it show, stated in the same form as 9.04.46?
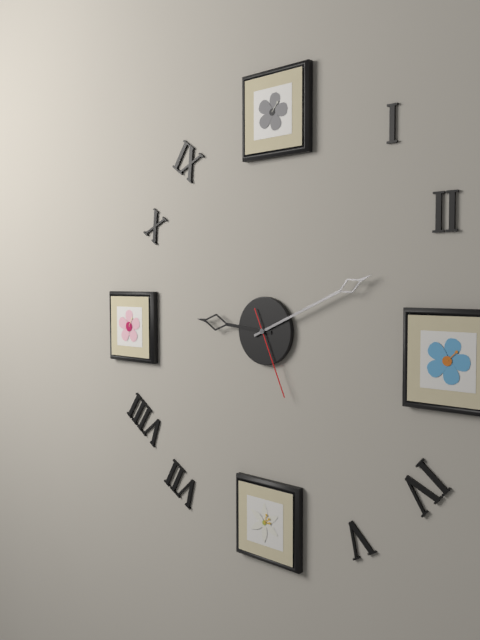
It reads 9.11.26
